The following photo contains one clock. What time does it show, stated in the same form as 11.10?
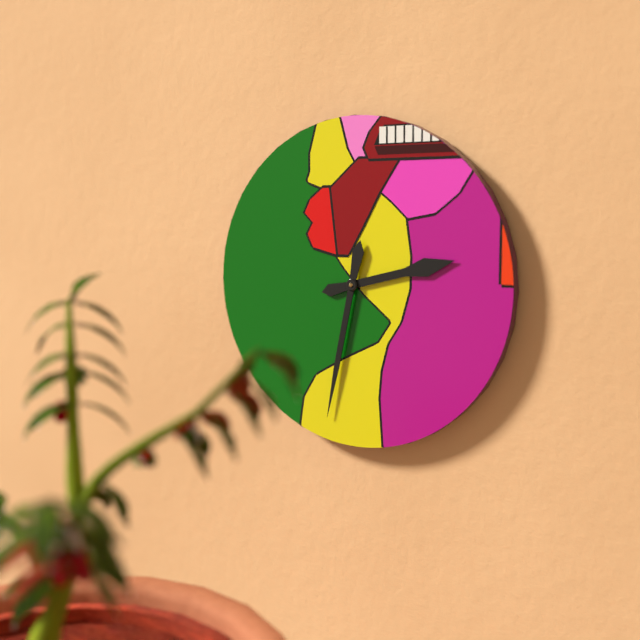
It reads 2.32
